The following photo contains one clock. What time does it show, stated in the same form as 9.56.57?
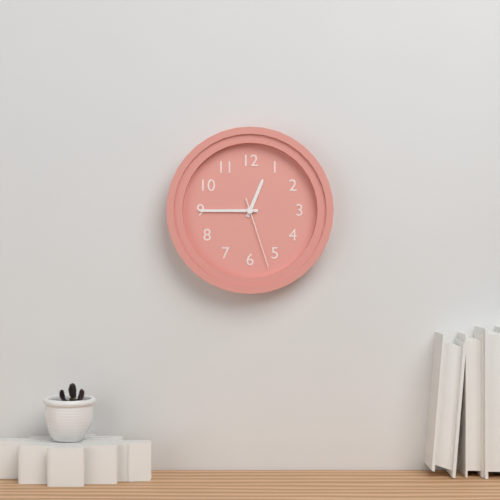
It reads 12.45.27
